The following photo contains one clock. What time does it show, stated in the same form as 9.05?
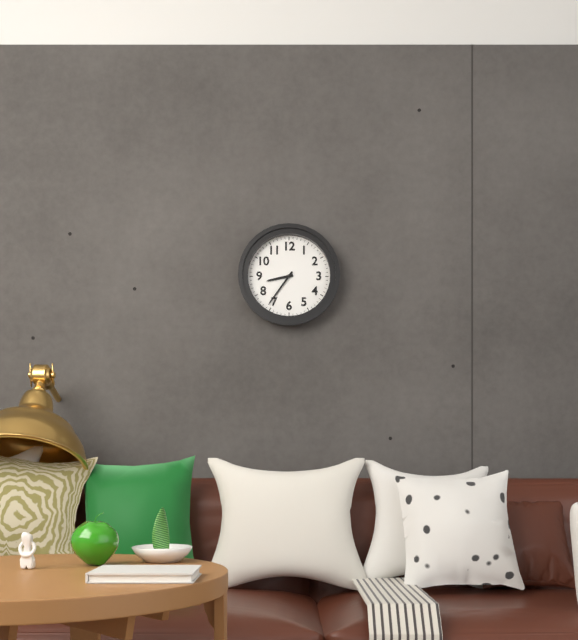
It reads 8.36
